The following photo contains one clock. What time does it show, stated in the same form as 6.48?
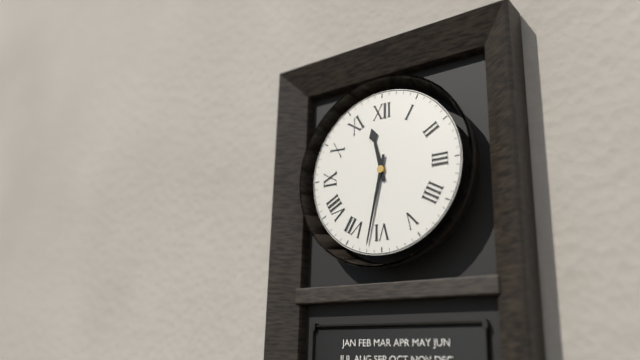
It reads 11.32
